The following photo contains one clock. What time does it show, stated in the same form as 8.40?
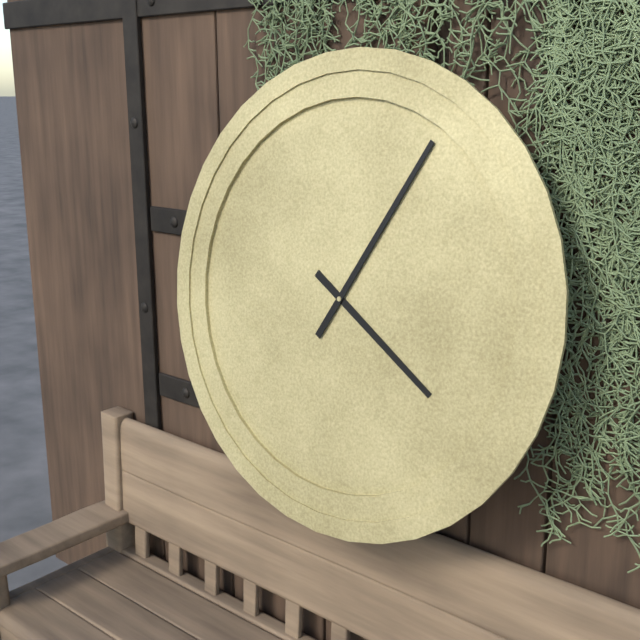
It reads 4.05
